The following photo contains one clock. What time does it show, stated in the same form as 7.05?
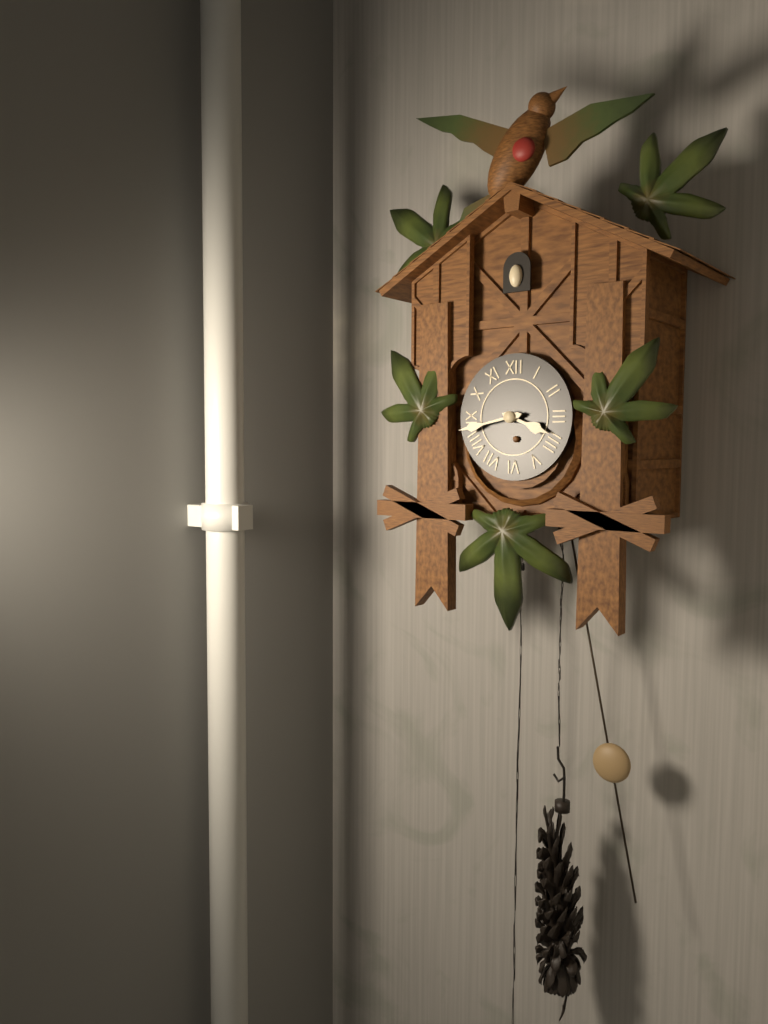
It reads 3.43
